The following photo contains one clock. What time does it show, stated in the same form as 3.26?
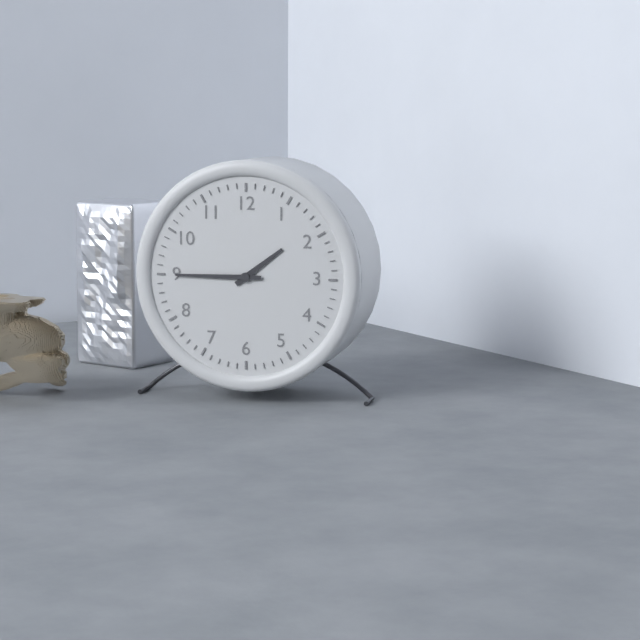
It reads 1.45
